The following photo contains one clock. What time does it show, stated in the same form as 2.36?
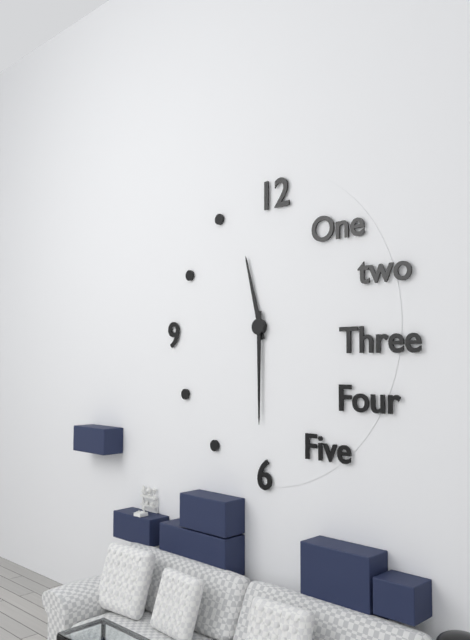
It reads 11.30
